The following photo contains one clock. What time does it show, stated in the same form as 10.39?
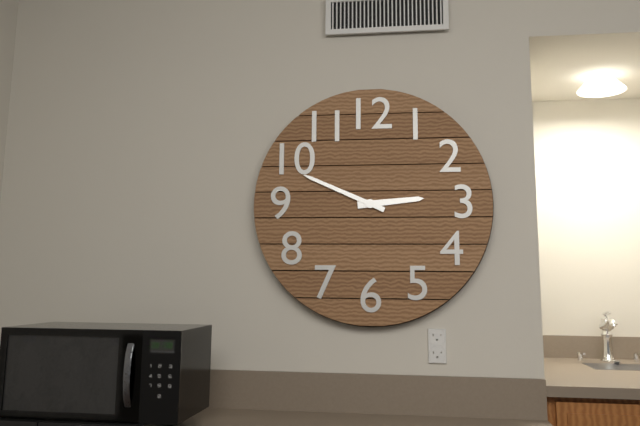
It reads 2.49
